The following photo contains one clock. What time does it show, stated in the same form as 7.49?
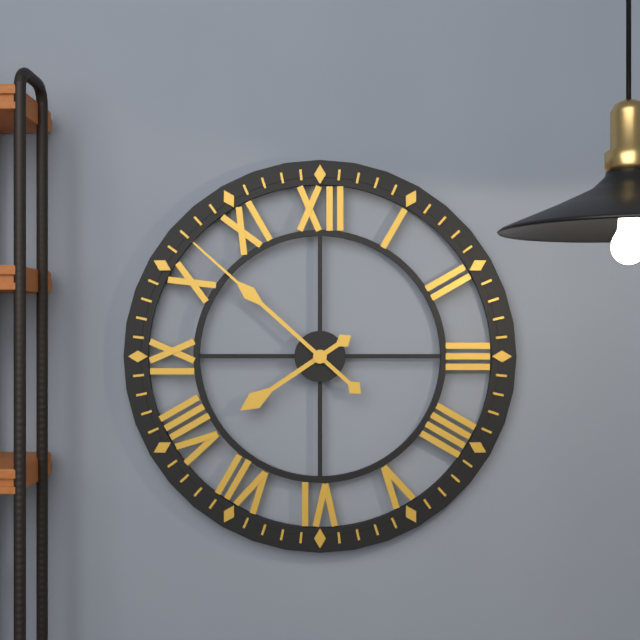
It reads 7.52
